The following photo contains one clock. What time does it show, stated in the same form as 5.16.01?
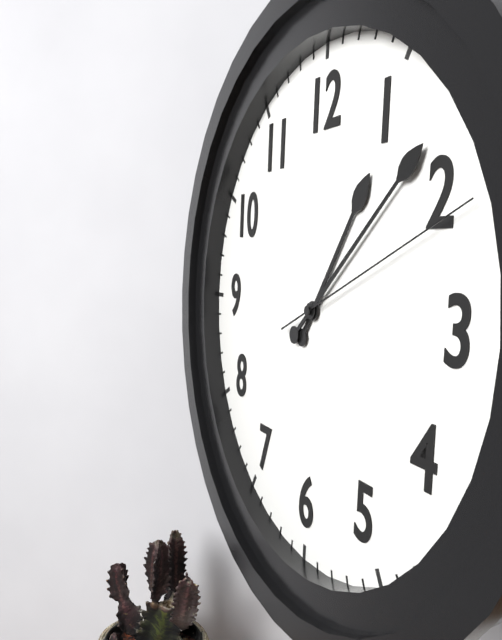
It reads 1.08.11
